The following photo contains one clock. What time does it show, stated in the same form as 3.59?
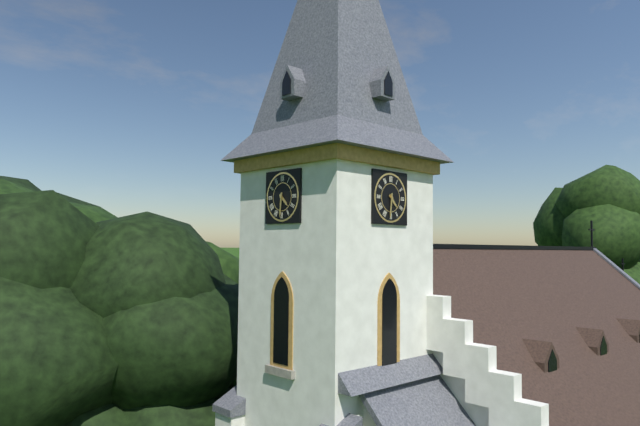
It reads 4.31
